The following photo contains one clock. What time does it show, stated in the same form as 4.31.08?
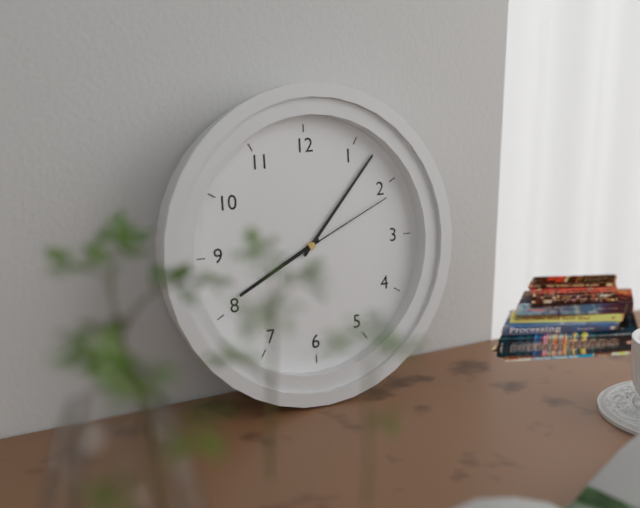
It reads 8.07.11
